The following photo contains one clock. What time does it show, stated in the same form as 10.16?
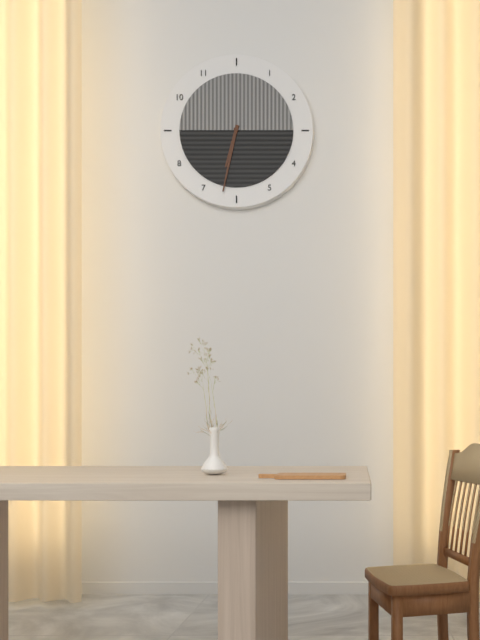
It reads 6.32
